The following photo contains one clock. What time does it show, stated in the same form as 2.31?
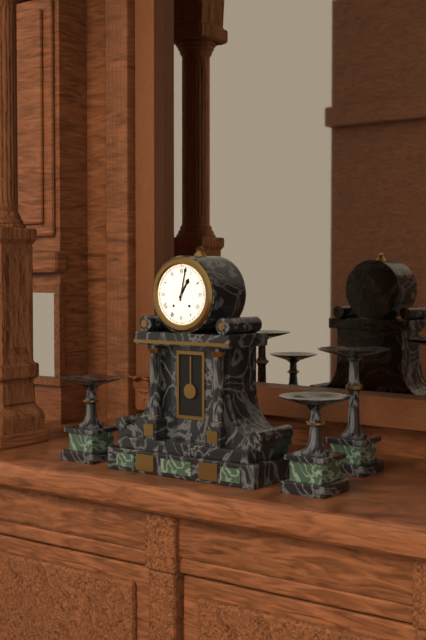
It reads 1.02
